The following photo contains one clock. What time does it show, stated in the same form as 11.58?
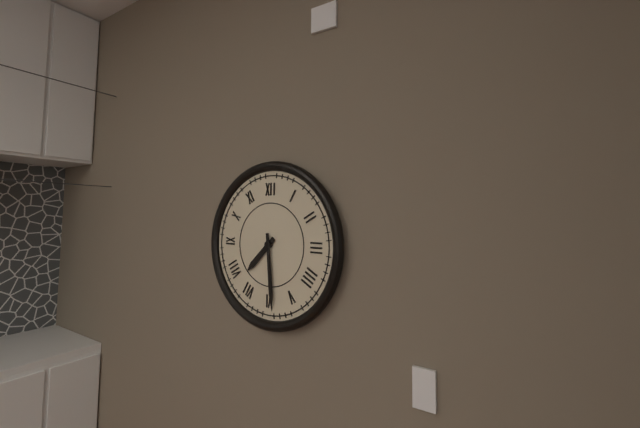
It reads 7.29
